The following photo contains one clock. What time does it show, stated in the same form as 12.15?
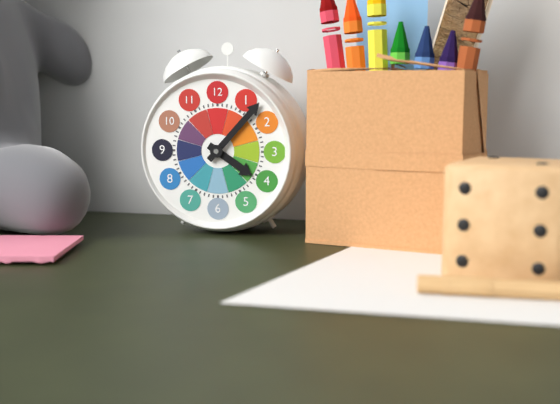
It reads 4.07
